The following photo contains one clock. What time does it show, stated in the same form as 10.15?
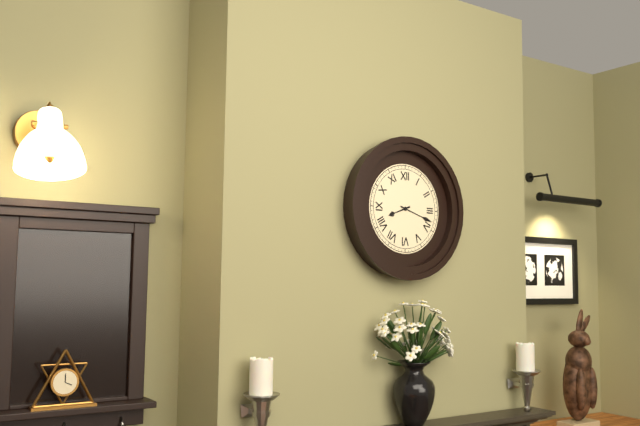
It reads 8.18
